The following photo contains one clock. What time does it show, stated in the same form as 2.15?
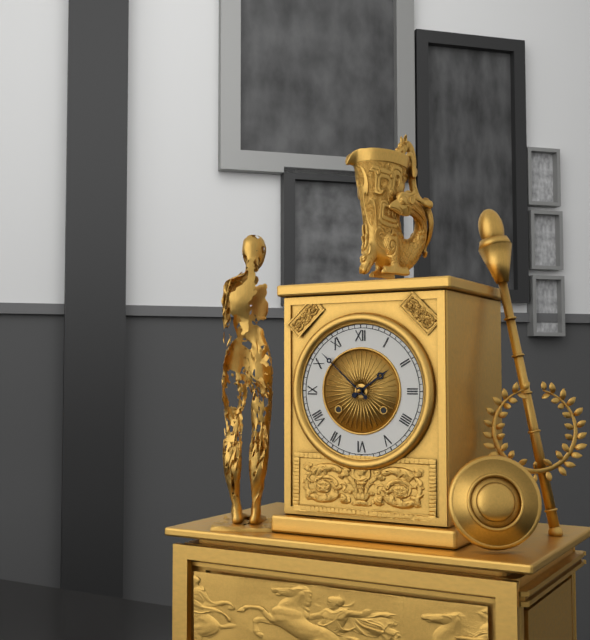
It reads 1.52
